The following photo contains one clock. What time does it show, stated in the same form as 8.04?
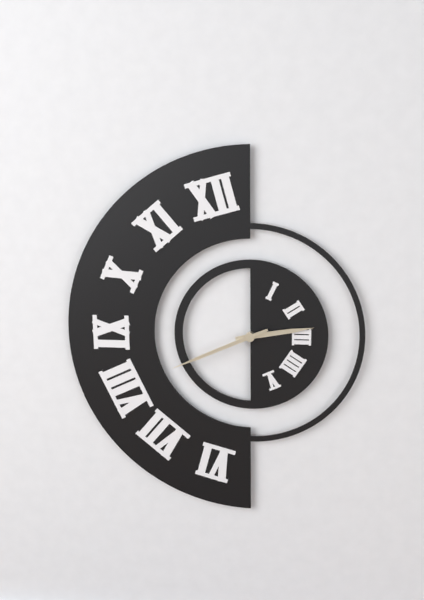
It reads 2.41
